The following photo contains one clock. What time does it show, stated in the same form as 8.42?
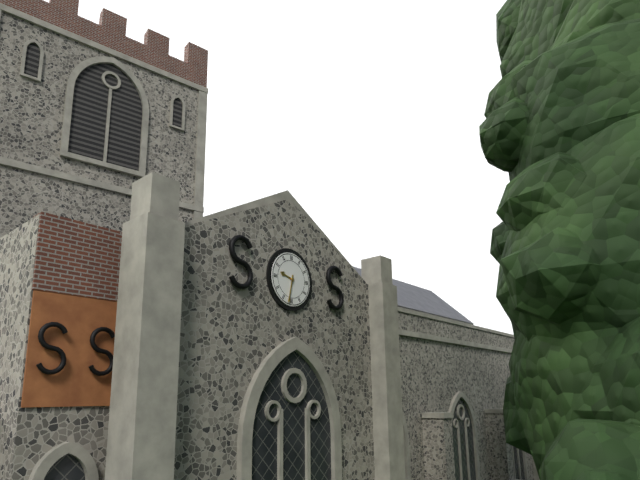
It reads 9.32
